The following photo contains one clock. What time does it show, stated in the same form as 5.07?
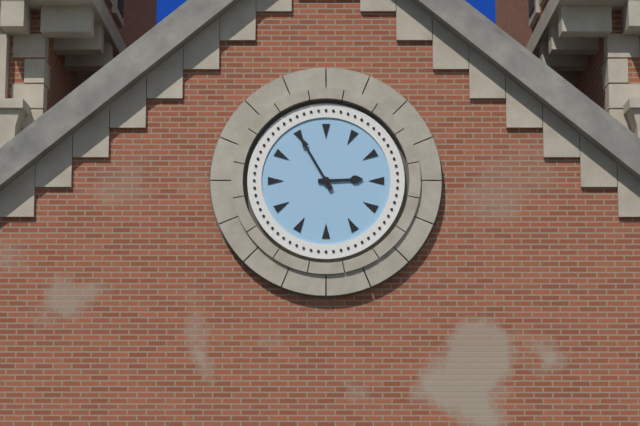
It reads 2.55
